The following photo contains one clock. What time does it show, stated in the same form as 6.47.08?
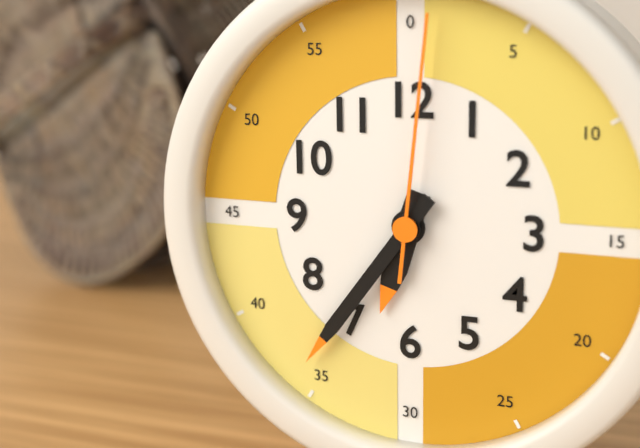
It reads 6.36.01
